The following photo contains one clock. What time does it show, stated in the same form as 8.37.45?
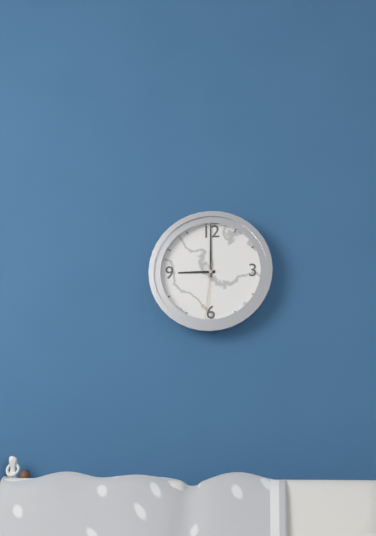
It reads 9.00.31
